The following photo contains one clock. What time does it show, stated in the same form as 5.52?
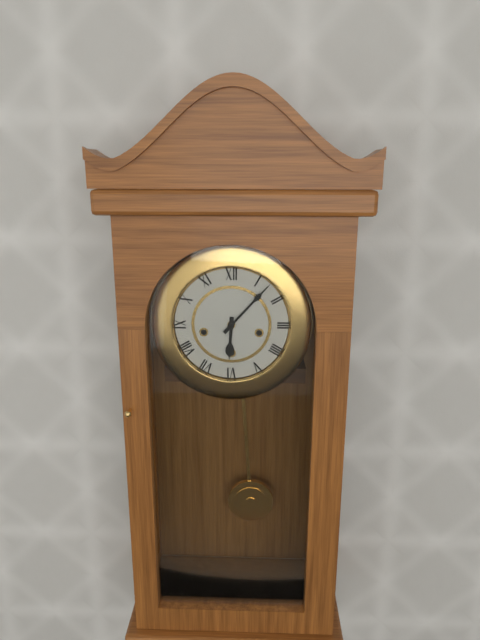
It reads 6.07
